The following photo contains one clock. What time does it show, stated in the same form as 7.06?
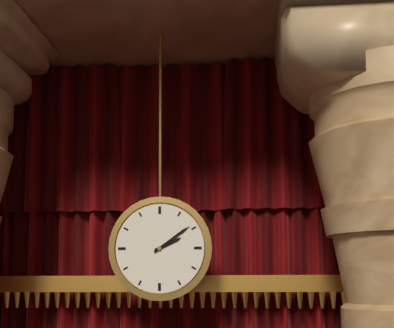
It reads 2.09
